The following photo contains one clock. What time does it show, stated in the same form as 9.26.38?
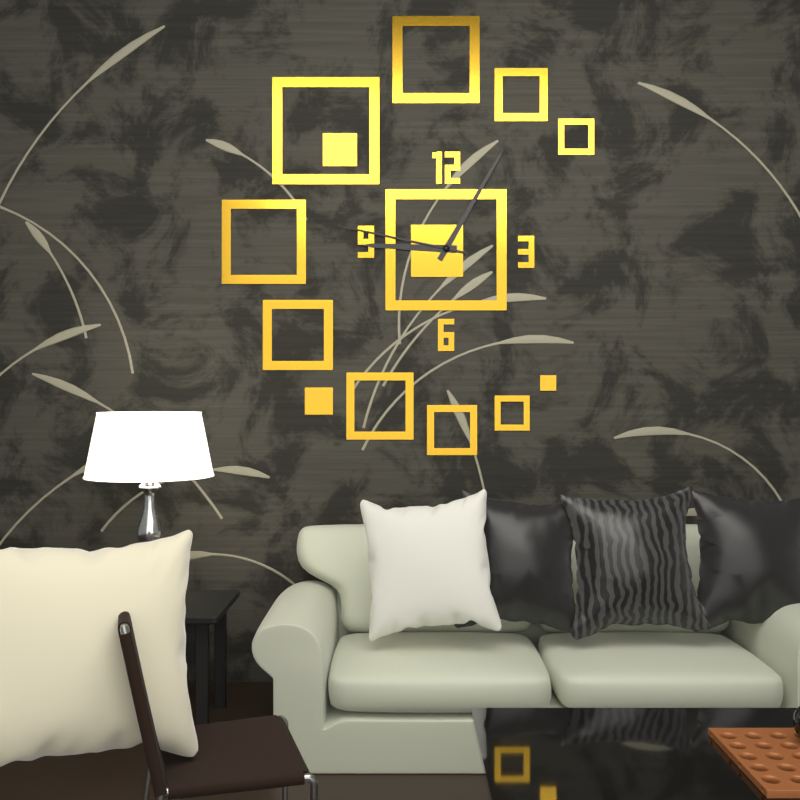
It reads 9.05.47
